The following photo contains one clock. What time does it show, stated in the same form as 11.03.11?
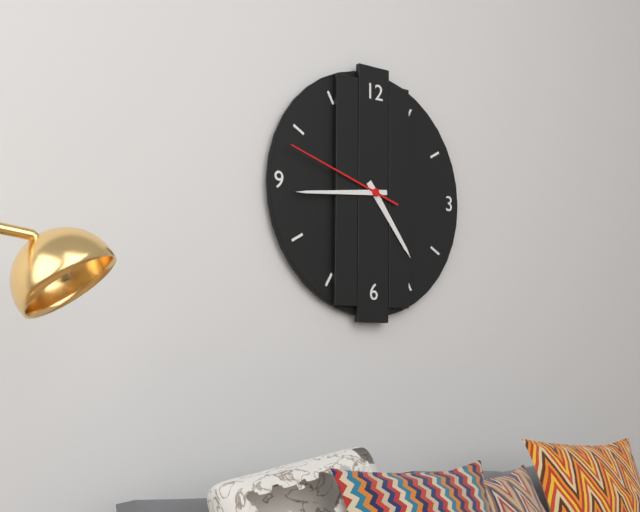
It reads 4.44.48
